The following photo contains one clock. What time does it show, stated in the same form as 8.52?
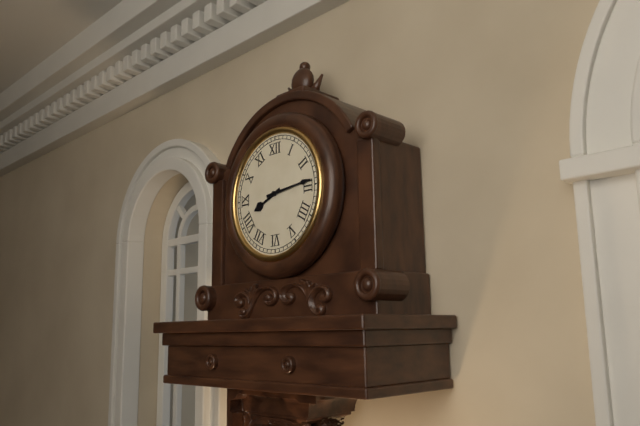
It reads 8.14
